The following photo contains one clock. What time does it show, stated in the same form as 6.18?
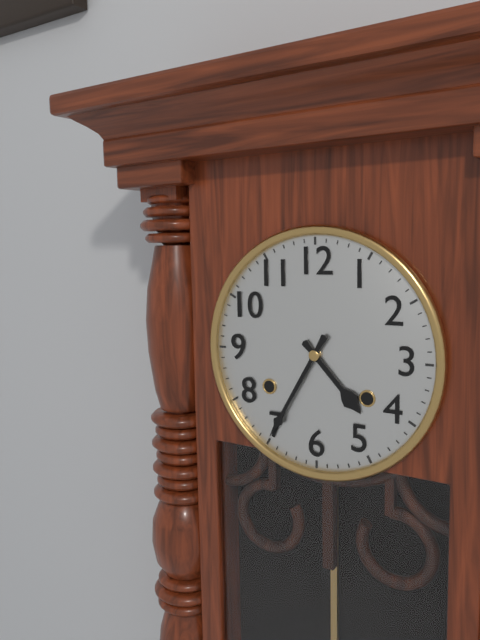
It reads 4.35
